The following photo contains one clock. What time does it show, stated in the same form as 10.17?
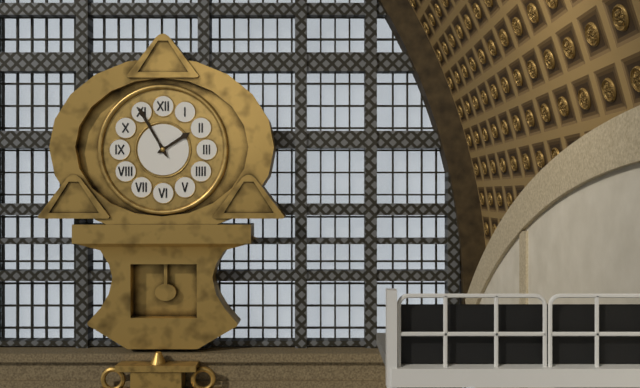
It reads 1.55
